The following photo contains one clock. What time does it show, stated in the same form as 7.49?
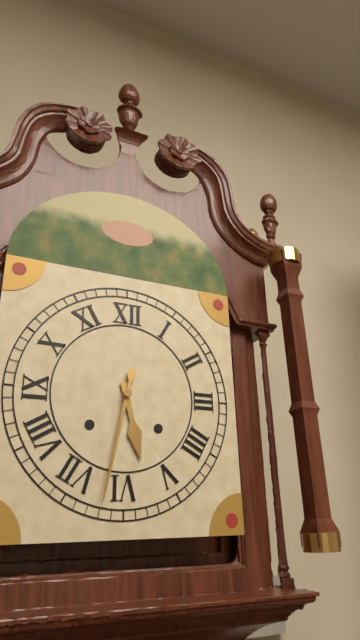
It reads 5.32
